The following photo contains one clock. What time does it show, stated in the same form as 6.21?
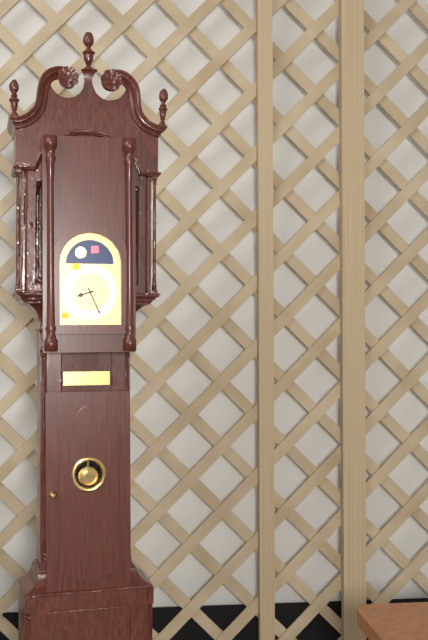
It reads 8.26
